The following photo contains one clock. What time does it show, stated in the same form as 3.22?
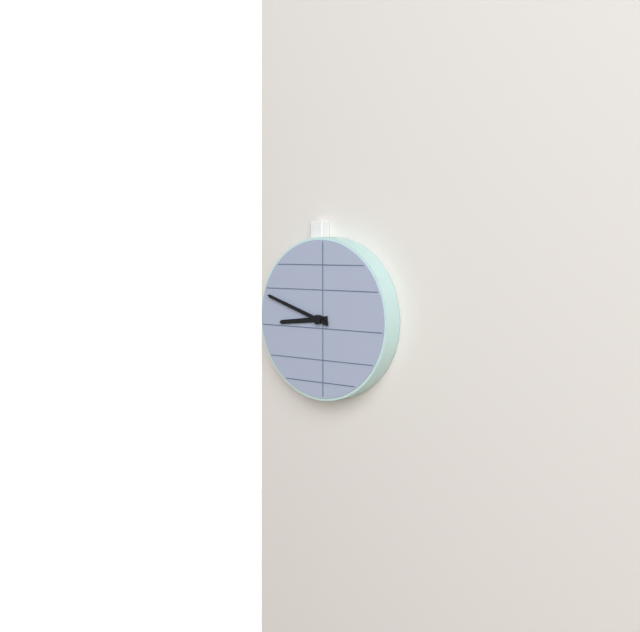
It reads 8.48
